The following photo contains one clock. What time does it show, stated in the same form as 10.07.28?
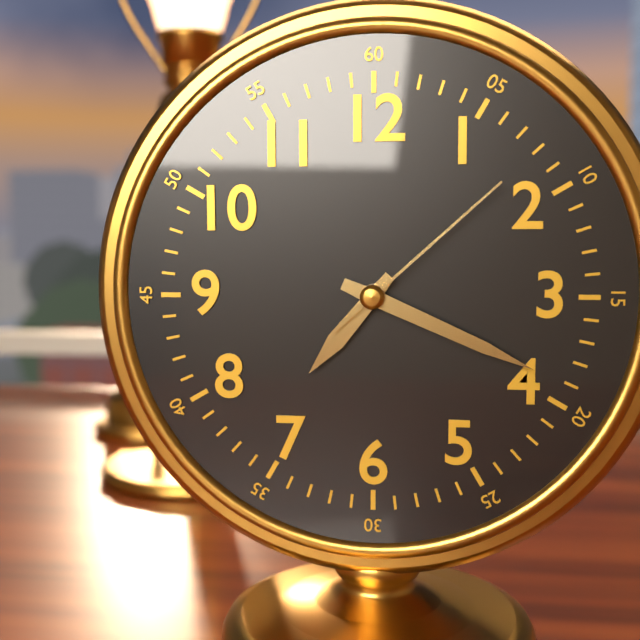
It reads 7.19.08
